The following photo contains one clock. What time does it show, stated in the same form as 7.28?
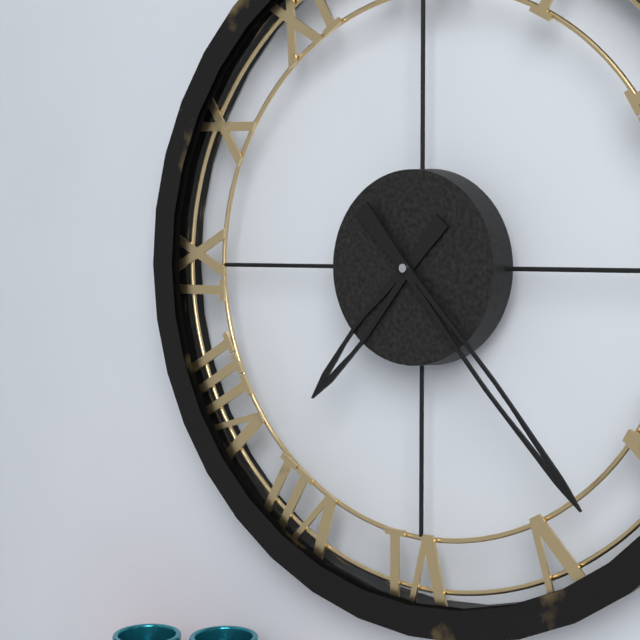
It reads 7.23
